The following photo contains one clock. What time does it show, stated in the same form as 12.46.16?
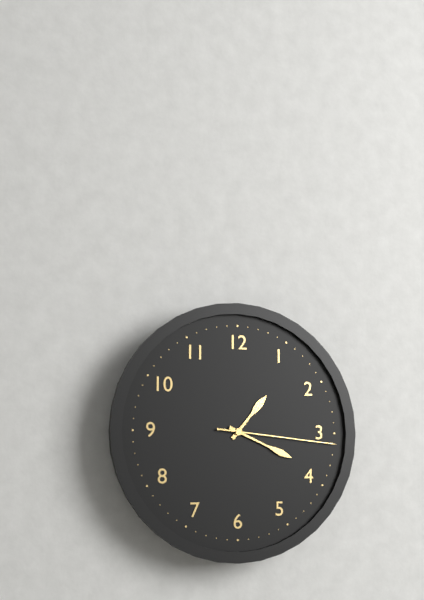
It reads 1.19.16
